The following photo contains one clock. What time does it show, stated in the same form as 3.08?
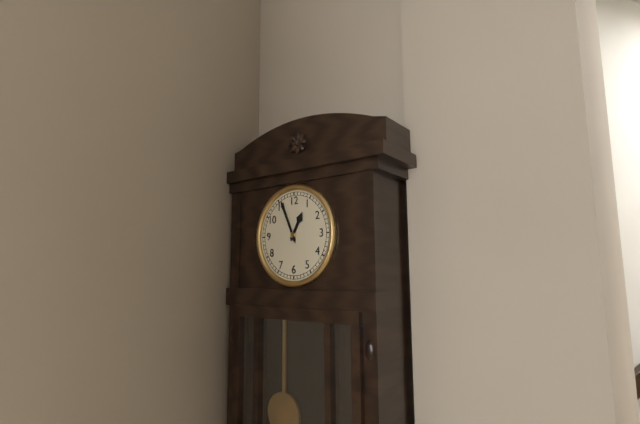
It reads 12.56
